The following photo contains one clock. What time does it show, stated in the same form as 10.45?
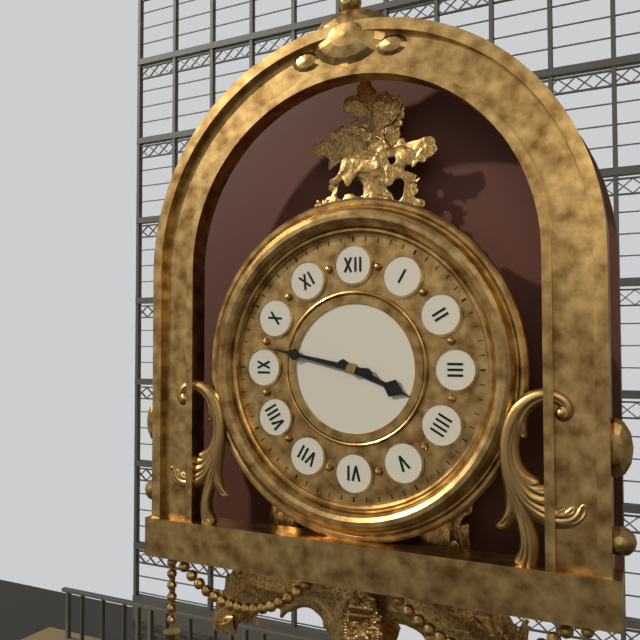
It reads 3.47
